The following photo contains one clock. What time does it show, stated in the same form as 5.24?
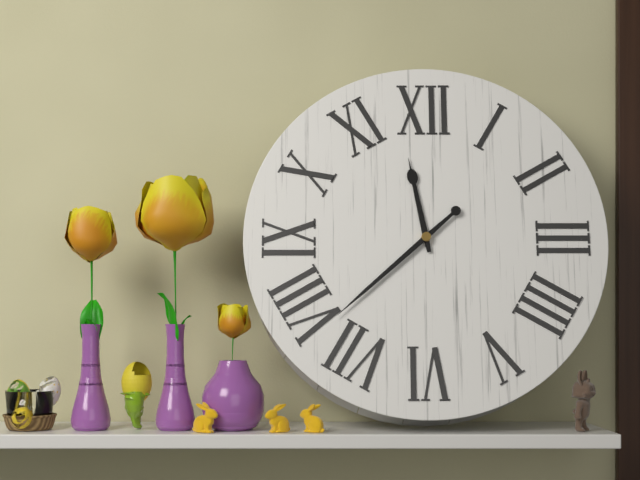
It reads 11.38
